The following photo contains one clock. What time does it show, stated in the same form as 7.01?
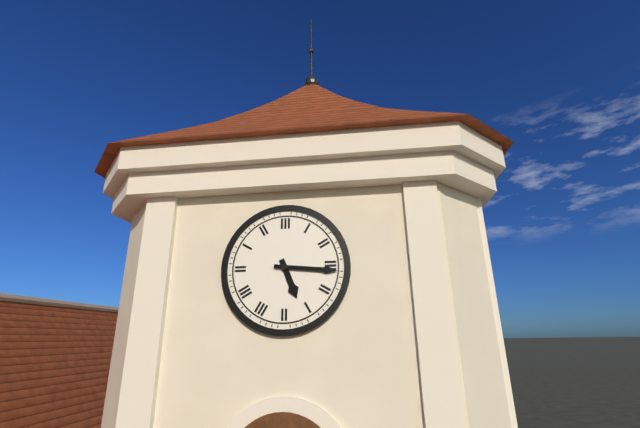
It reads 5.16
